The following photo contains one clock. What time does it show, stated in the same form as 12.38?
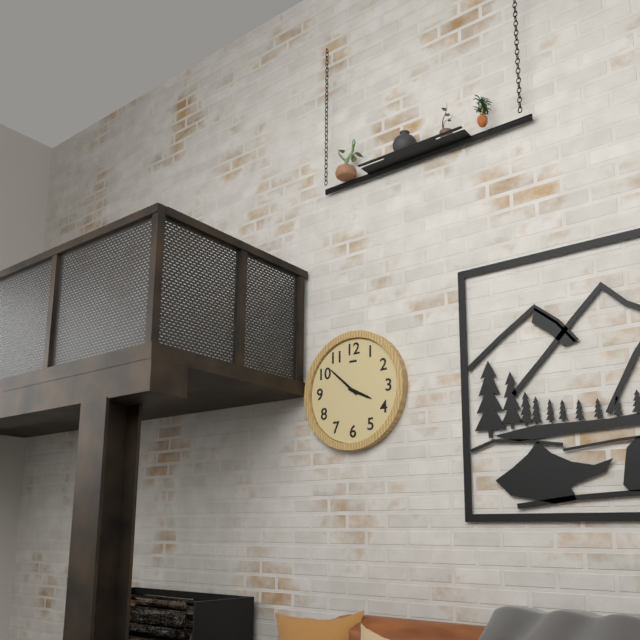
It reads 3.52
